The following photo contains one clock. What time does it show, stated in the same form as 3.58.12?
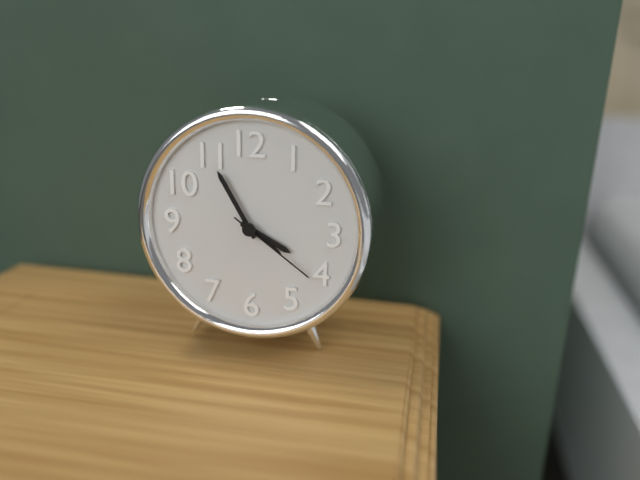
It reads 3.55.21
